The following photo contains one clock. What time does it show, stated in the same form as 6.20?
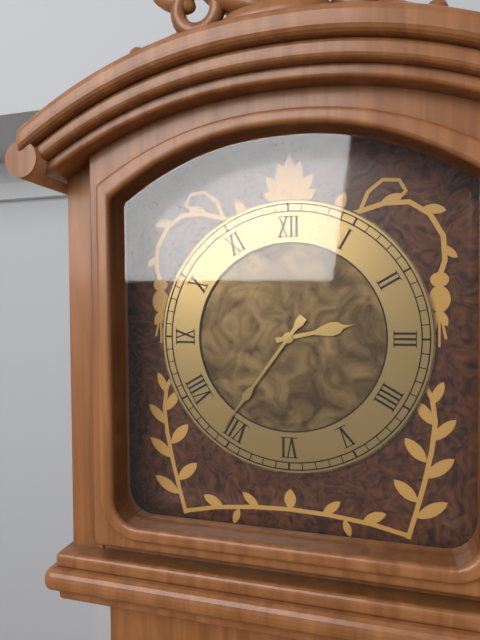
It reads 2.36
